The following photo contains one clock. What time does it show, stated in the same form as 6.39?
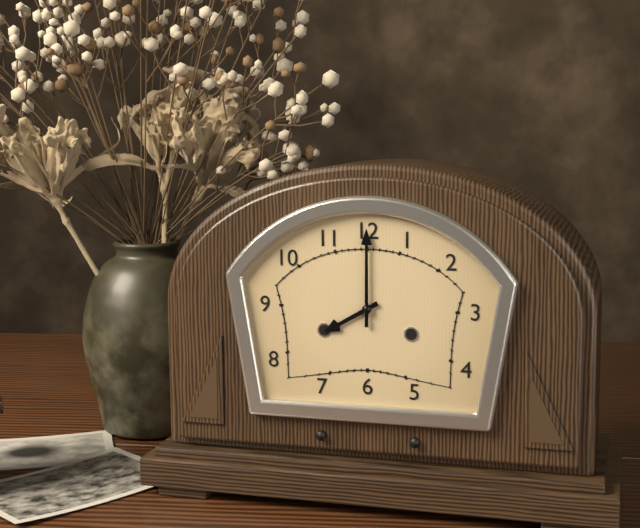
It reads 8.00
